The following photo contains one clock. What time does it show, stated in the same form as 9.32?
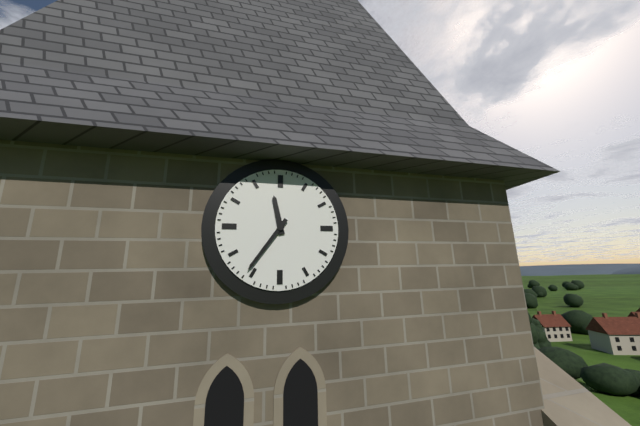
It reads 11.36
